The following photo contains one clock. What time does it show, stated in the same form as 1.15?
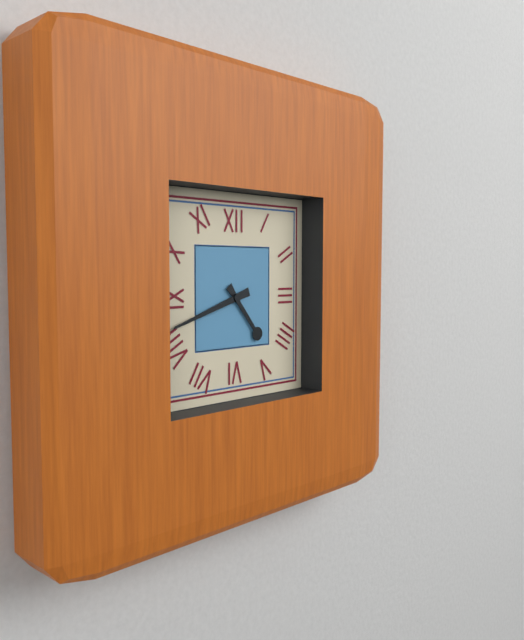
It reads 4.42
